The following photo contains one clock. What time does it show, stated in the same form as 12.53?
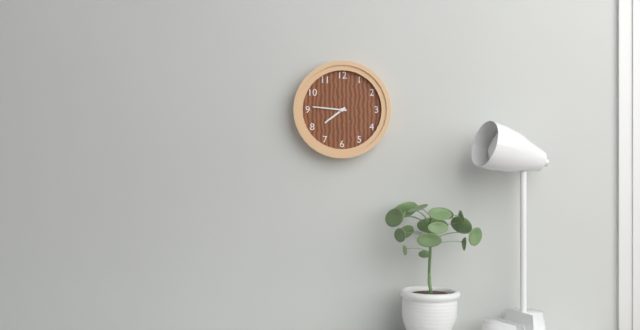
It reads 7.46
